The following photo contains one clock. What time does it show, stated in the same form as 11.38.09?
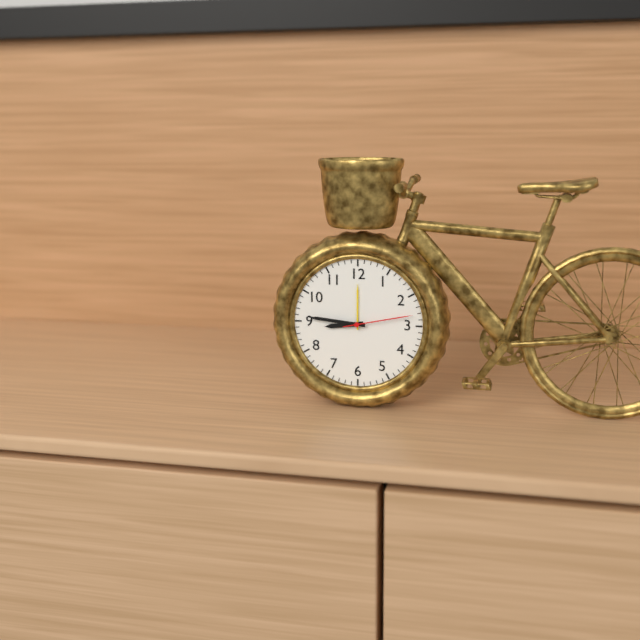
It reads 8.46.13
